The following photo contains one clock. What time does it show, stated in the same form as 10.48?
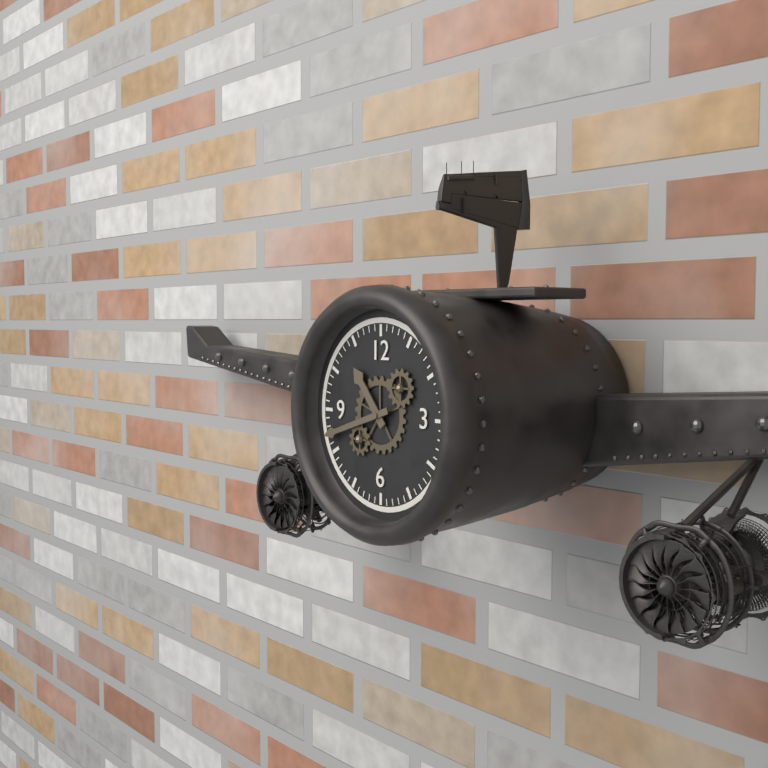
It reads 10.42
